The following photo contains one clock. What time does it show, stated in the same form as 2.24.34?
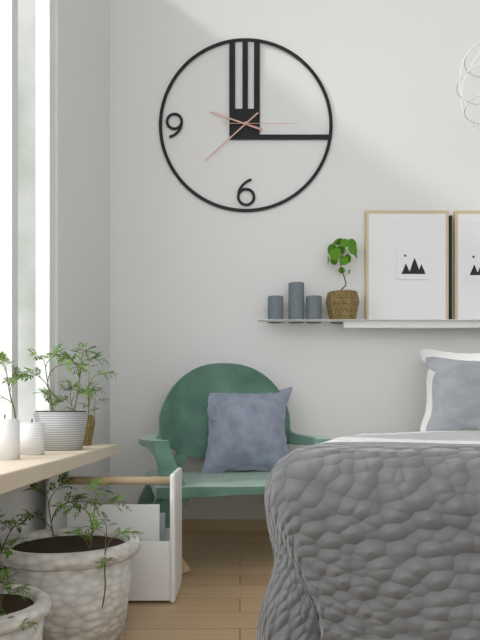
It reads 9.38.15
